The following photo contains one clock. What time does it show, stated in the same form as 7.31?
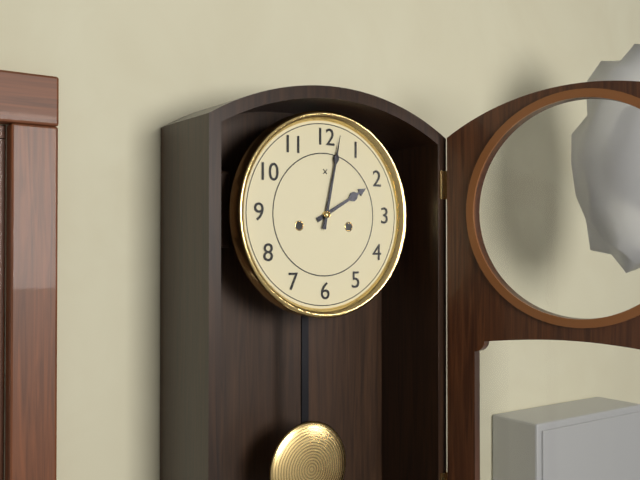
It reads 2.02
